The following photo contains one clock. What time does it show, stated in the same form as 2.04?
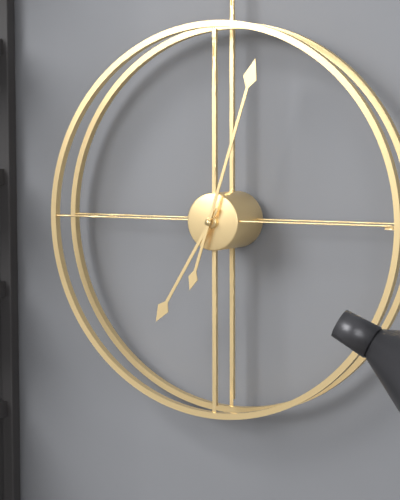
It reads 7.03
